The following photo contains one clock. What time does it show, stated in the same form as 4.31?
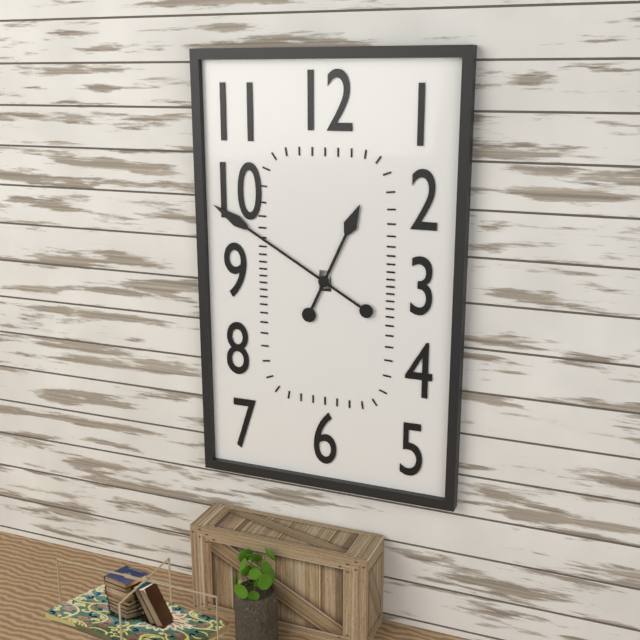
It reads 12.50
